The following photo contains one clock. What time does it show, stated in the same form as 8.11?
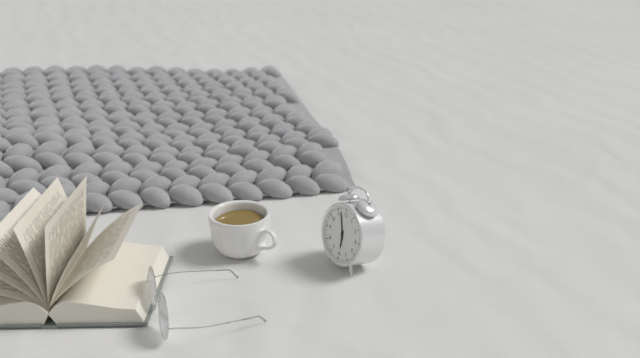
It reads 5.57
